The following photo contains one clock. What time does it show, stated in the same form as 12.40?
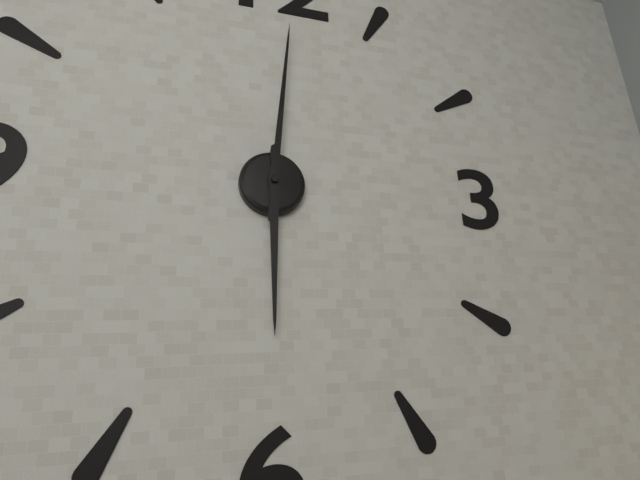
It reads 6.01
